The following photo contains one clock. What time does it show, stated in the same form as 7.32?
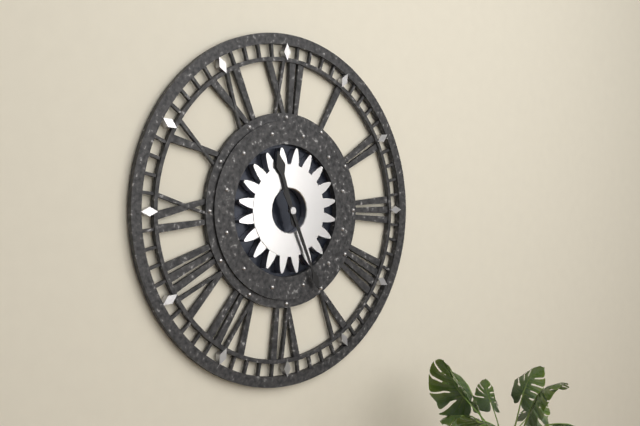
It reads 11.26
